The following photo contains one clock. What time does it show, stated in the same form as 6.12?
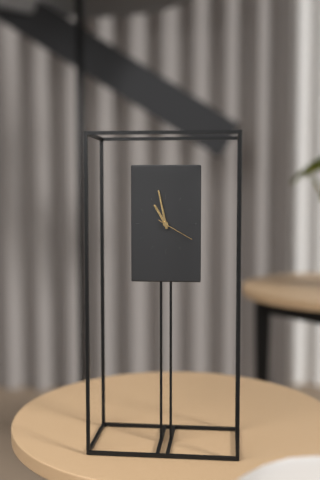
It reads 10.58
